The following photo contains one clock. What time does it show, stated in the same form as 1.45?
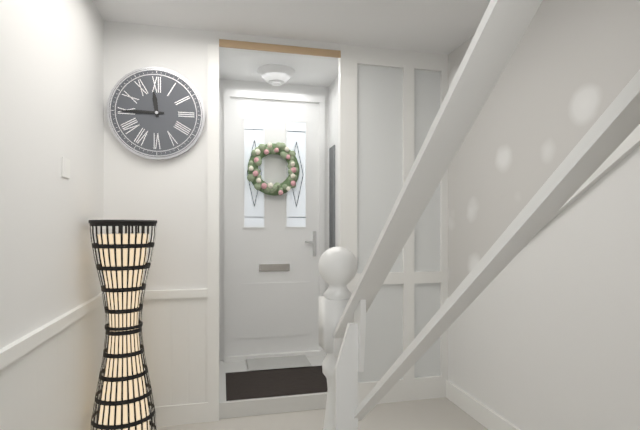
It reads 11.45
